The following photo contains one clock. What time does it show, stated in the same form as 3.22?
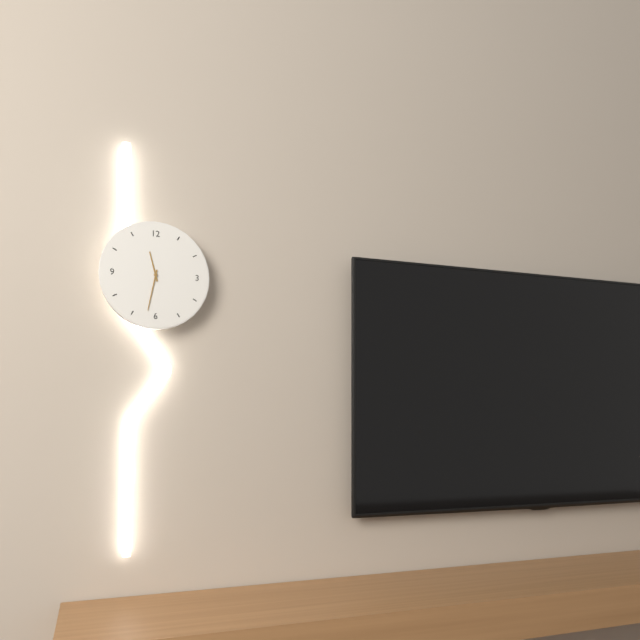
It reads 11.32
